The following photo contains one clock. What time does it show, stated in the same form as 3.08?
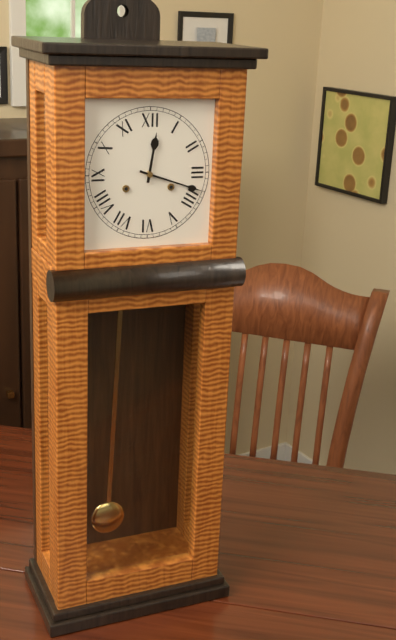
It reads 12.18
